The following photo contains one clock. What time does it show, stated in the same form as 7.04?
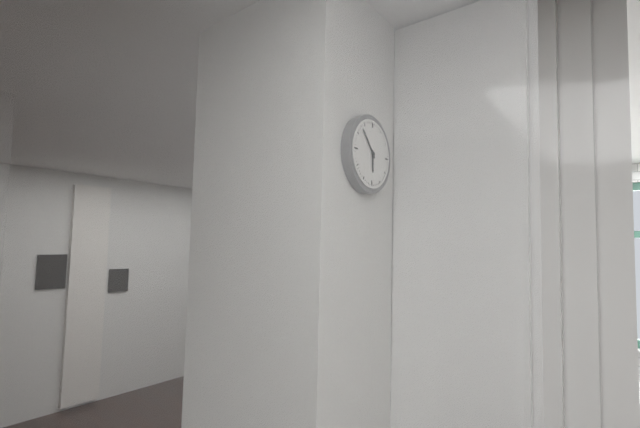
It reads 5.53
